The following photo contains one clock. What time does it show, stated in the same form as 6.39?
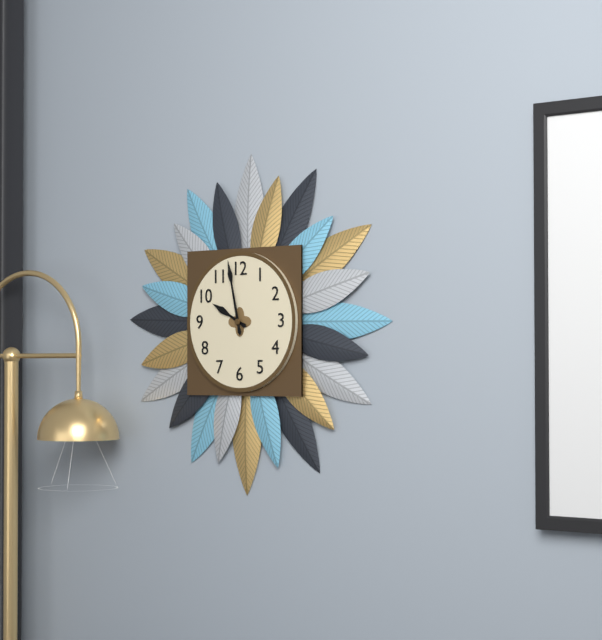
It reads 9.58
